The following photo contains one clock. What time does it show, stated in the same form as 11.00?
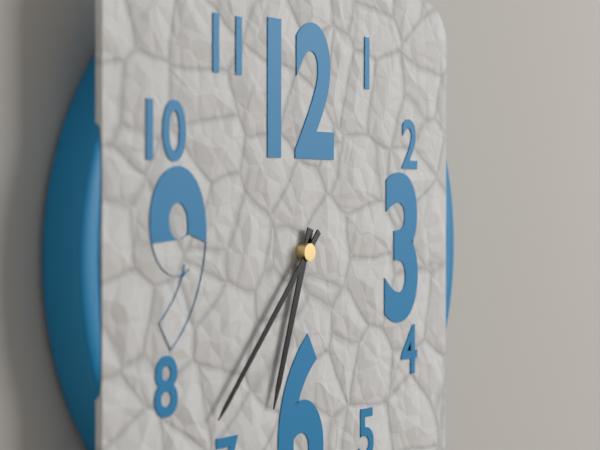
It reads 6.37
